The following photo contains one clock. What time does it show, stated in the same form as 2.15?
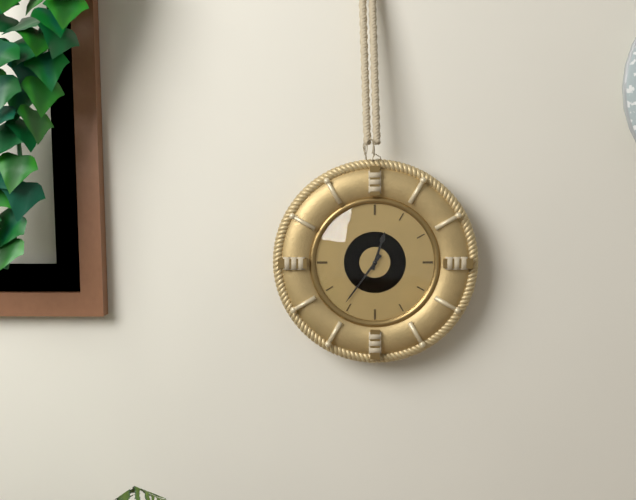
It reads 12.36
